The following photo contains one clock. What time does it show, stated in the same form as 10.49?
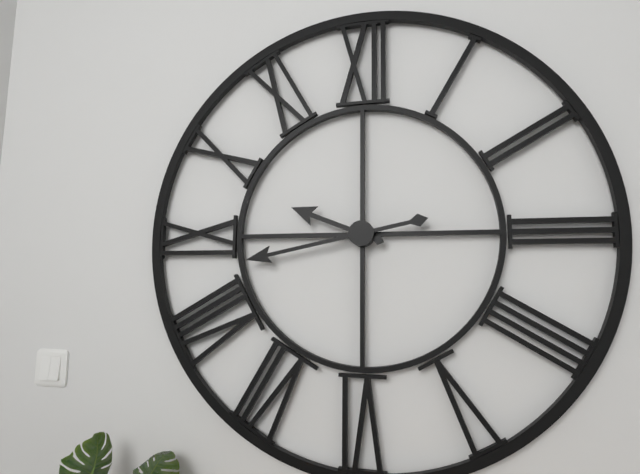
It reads 9.43
